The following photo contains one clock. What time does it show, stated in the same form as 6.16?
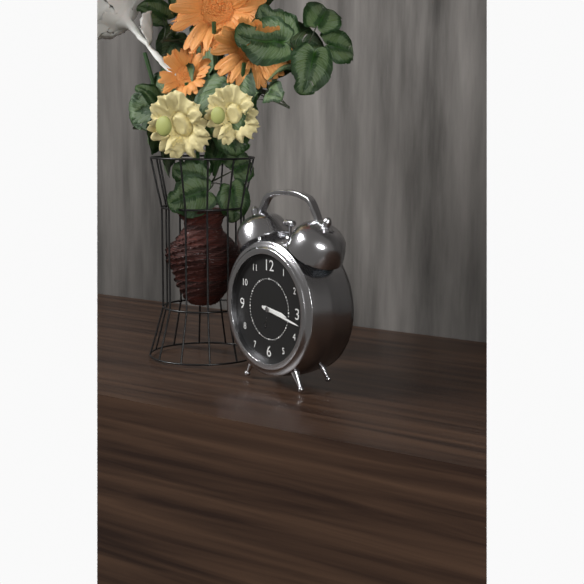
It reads 3.17
